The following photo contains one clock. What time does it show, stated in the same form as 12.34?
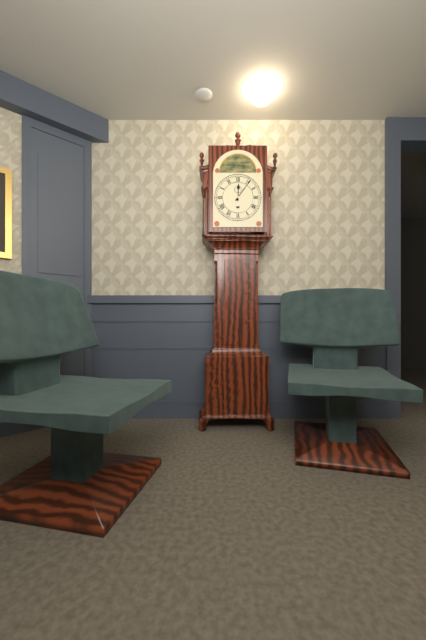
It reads 12.06
